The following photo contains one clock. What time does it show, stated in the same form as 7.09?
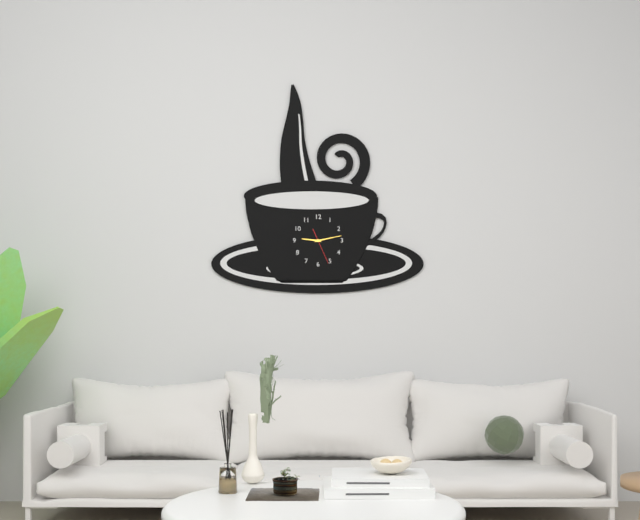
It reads 9.13
